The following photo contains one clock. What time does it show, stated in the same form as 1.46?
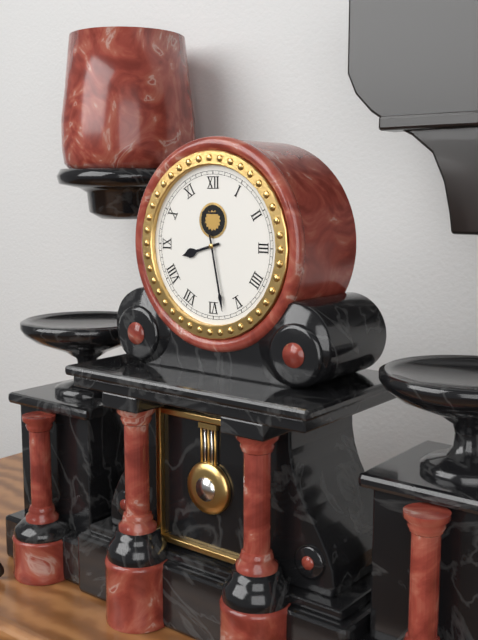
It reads 8.28
